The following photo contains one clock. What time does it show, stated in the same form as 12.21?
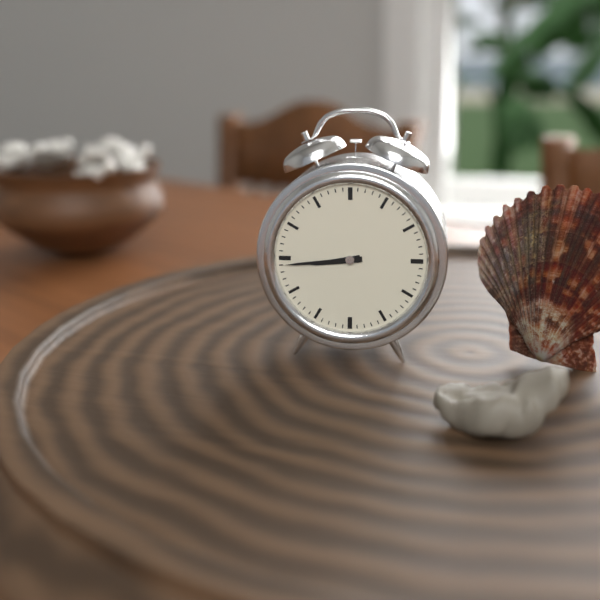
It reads 8.44
